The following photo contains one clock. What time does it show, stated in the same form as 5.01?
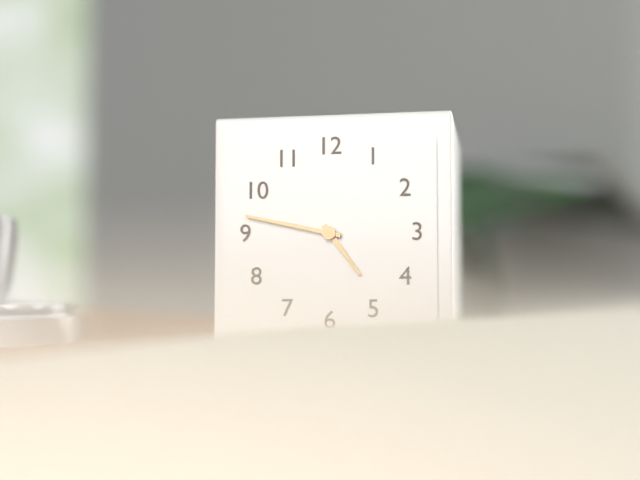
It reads 4.47
